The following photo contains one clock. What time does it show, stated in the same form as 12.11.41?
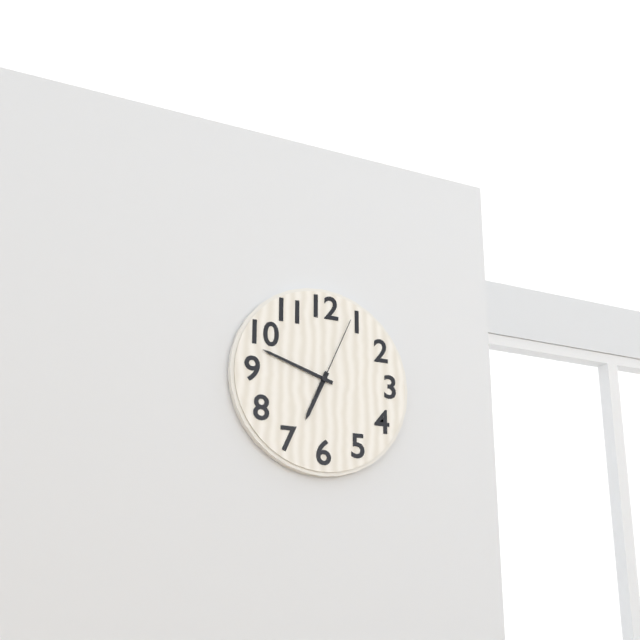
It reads 6.48.04
